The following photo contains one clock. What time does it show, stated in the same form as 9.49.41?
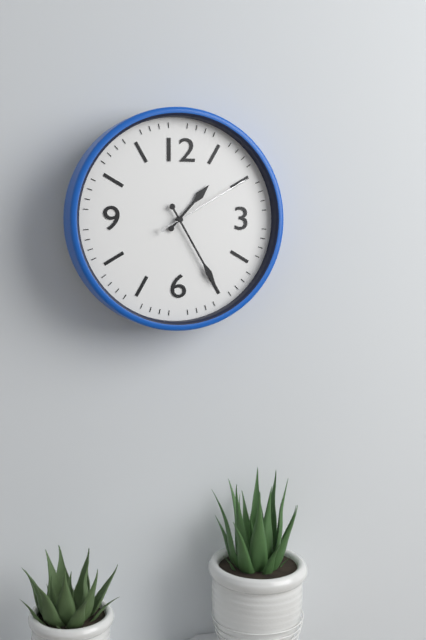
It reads 1.25.10
